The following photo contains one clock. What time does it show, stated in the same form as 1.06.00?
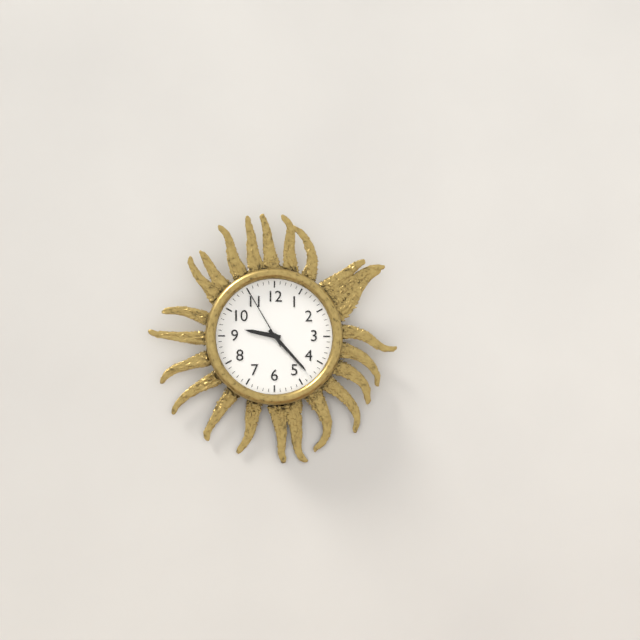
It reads 9.23.55
